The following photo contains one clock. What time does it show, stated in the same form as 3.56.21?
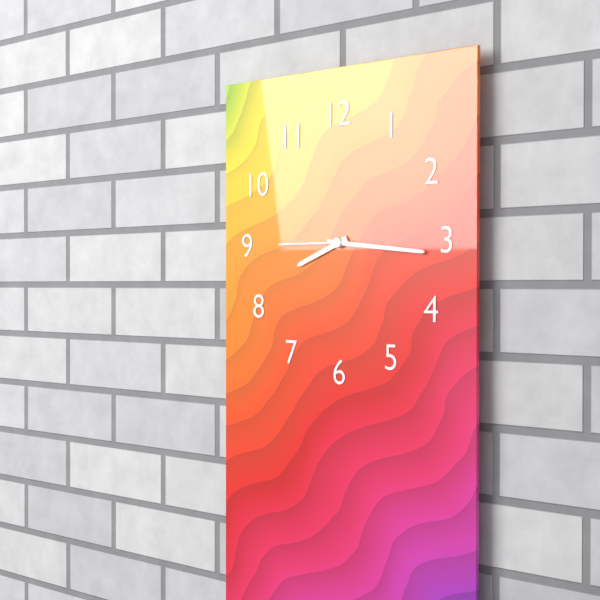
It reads 8.16.45
